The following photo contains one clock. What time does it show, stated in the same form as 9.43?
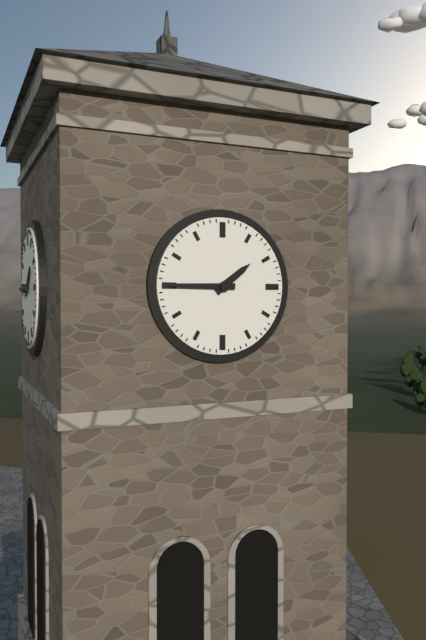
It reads 1.45
